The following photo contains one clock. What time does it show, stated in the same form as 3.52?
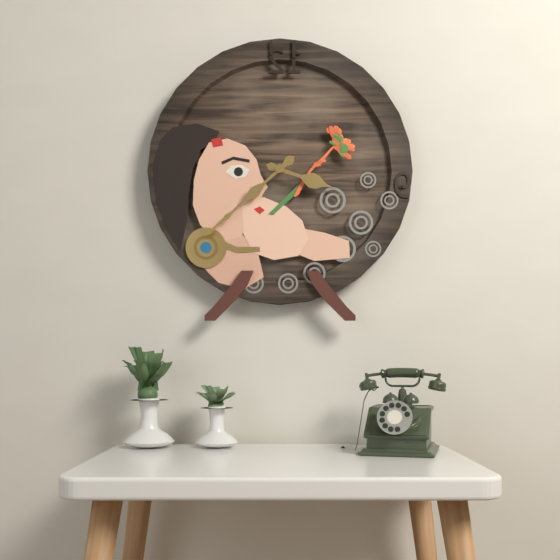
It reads 3.38
